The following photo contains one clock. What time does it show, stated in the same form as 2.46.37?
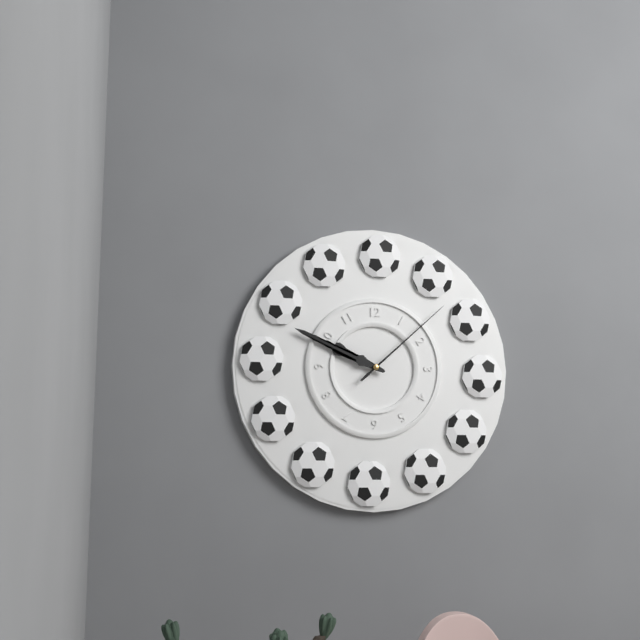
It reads 9.49.08
